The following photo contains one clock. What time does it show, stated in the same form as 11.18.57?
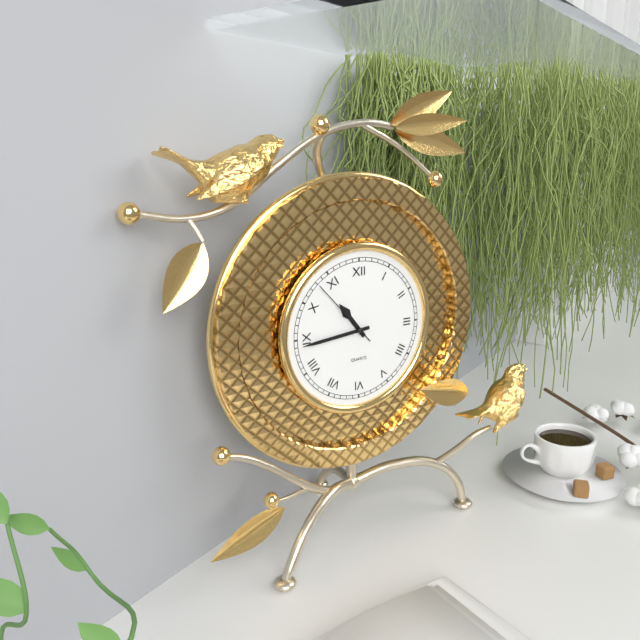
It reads 10.44.53
